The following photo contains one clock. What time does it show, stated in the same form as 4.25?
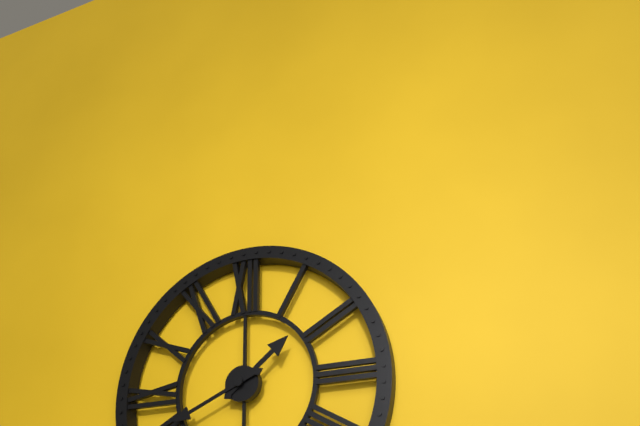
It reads 1.41
